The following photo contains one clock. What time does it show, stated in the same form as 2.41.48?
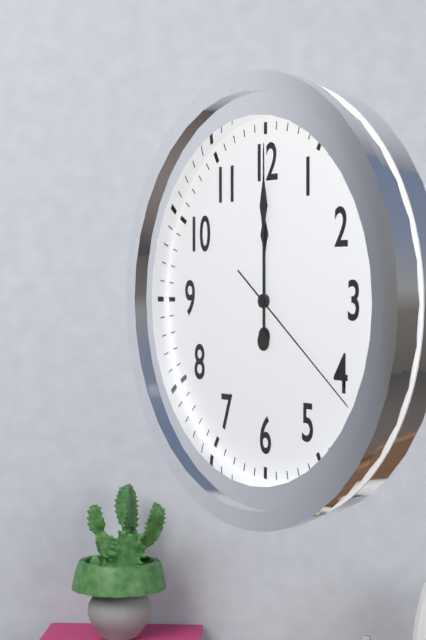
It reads 12.00.21
